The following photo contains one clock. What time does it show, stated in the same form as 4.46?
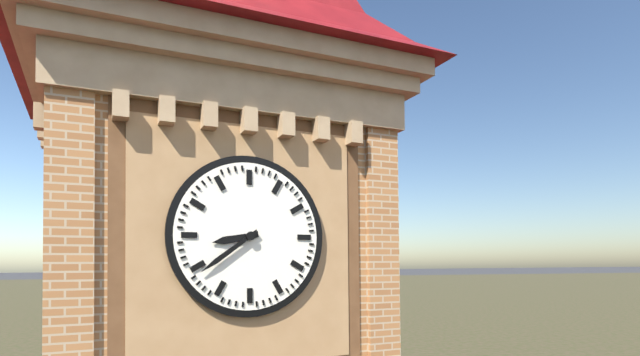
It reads 8.39
